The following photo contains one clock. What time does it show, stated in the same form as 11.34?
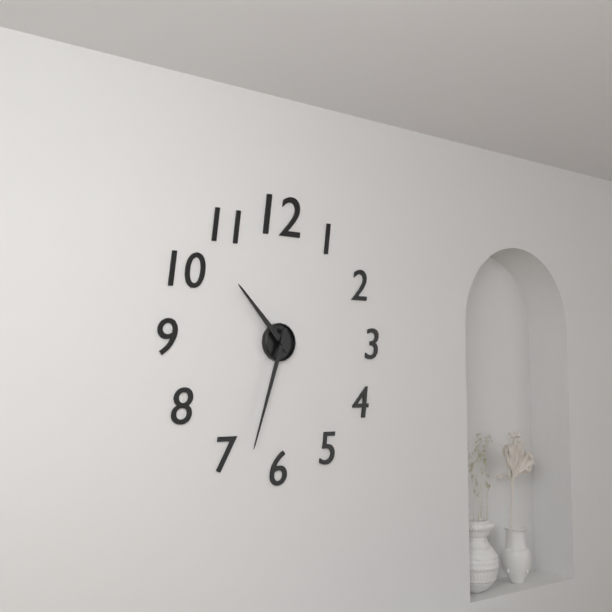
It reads 10.33
